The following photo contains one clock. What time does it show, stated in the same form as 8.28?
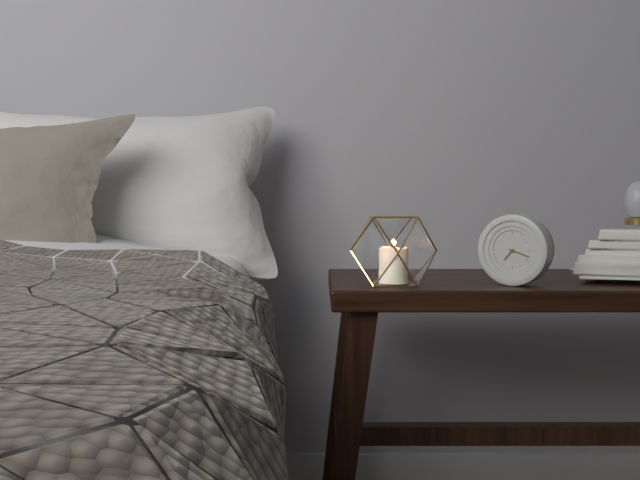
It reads 7.18
